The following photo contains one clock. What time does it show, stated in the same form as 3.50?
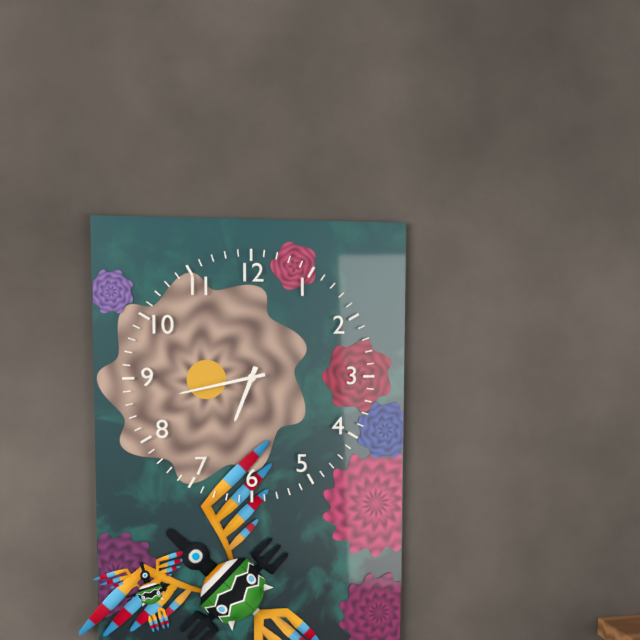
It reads 6.43
